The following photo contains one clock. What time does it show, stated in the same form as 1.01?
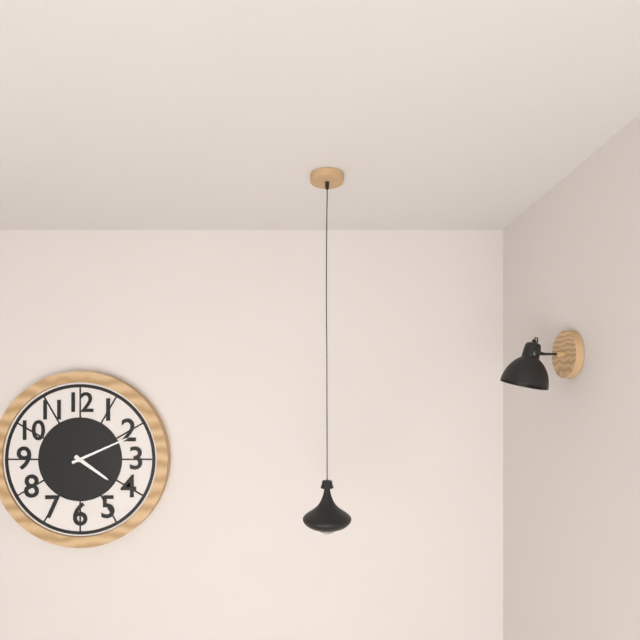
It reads 4.11
